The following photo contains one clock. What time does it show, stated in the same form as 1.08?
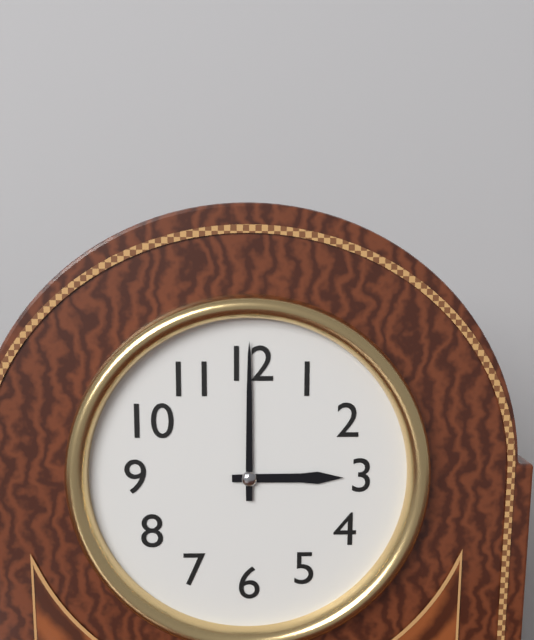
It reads 3.00
